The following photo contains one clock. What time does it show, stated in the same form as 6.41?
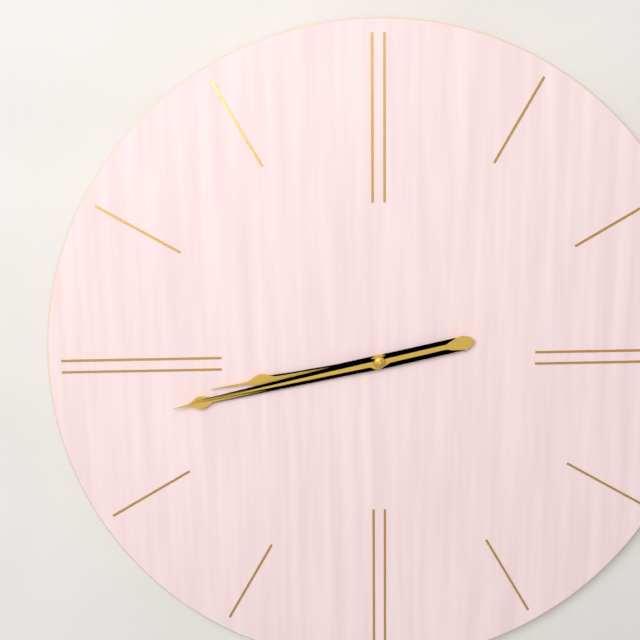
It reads 8.43
